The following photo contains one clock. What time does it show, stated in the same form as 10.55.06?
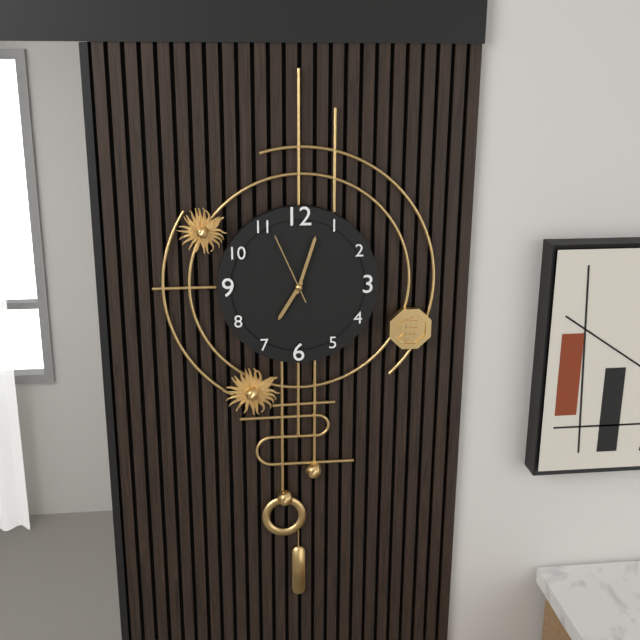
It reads 7.03.56
